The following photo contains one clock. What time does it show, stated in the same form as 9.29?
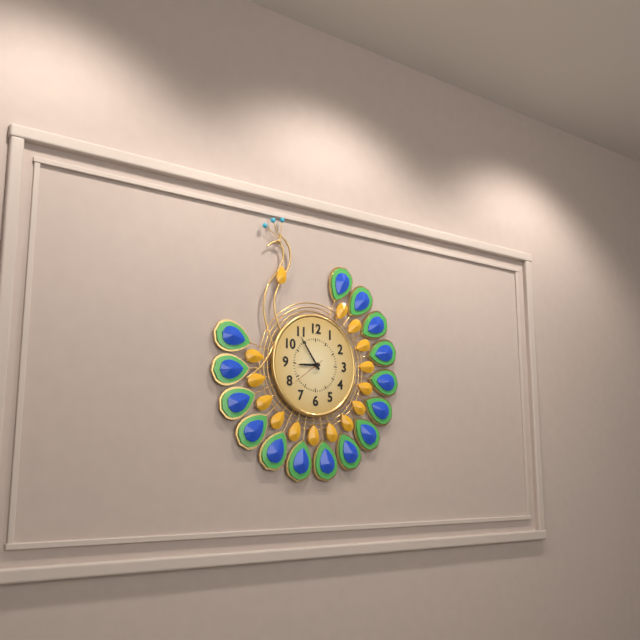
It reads 8.54
